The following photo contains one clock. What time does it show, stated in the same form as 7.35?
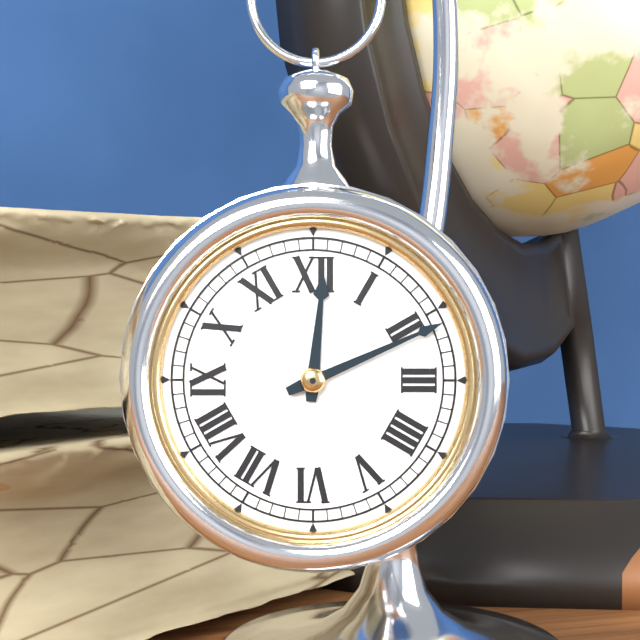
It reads 12.11
